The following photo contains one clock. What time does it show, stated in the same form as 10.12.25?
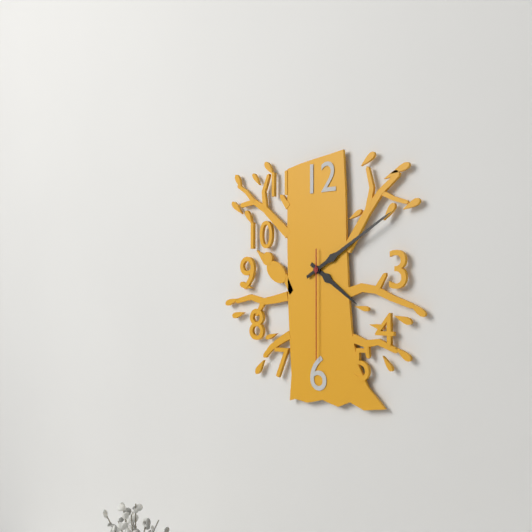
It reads 4.10.30
